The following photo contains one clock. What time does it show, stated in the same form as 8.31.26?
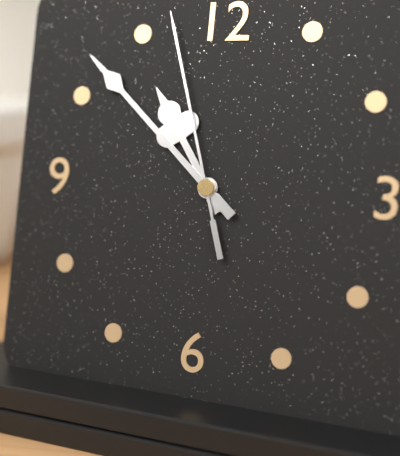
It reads 10.52.57
